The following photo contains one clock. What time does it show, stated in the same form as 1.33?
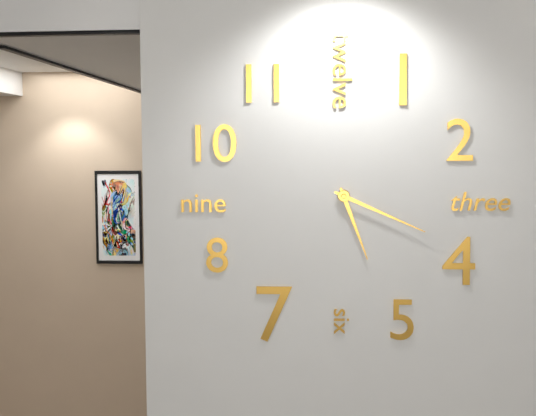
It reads 5.19
